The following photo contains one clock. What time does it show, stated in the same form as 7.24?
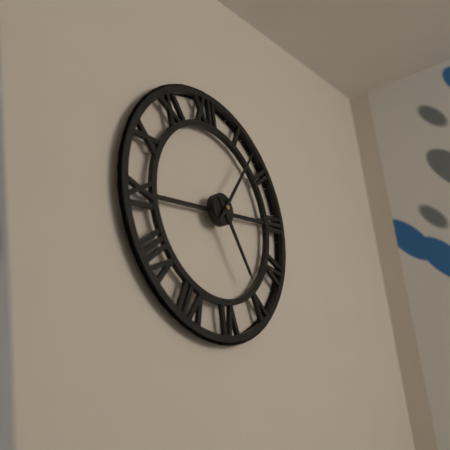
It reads 5.07
